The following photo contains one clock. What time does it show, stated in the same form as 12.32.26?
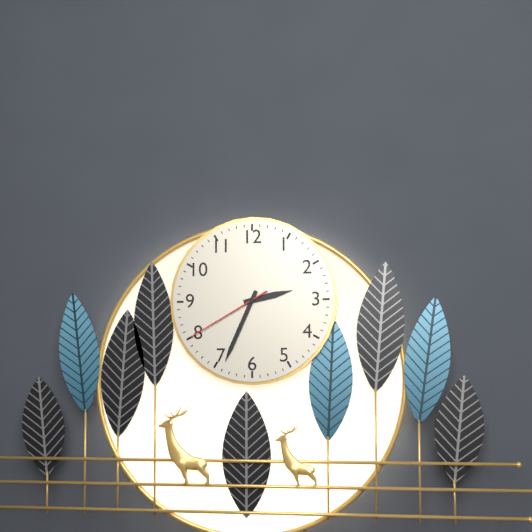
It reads 2.34.40
